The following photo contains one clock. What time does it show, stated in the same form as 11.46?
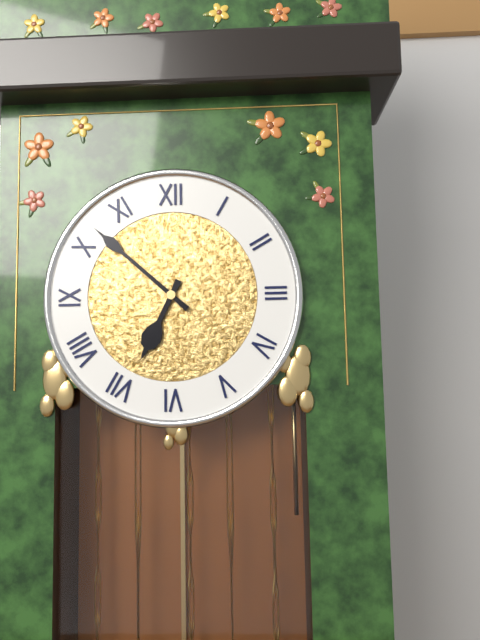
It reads 6.52
